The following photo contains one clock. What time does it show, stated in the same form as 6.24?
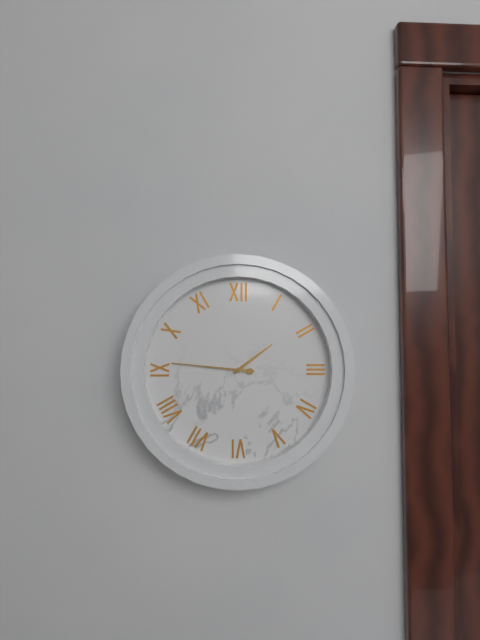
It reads 1.46
